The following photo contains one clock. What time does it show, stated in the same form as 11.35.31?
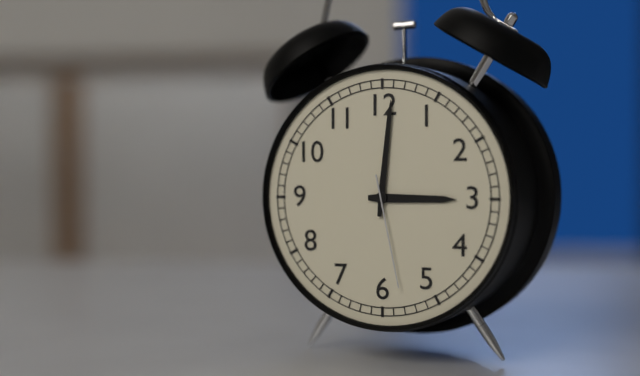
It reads 3.01.28
